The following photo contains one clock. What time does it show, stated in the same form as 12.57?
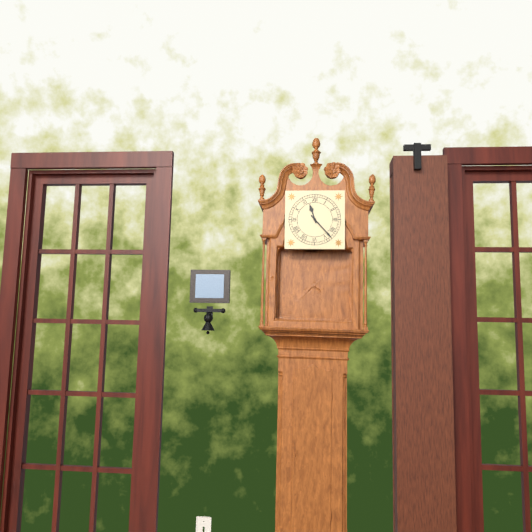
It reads 11.23
